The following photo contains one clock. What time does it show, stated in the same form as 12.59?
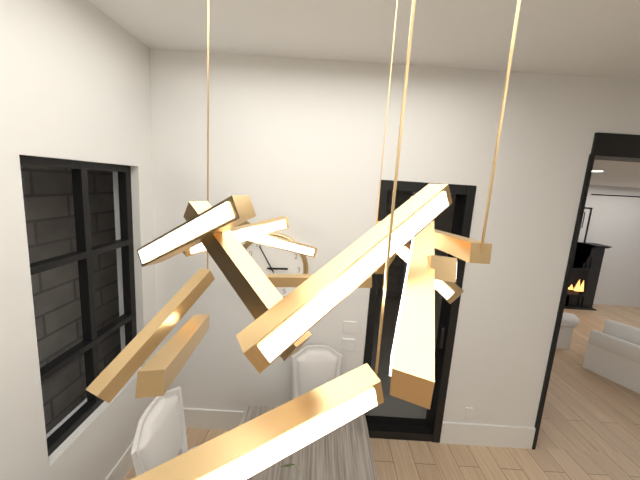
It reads 2.55
